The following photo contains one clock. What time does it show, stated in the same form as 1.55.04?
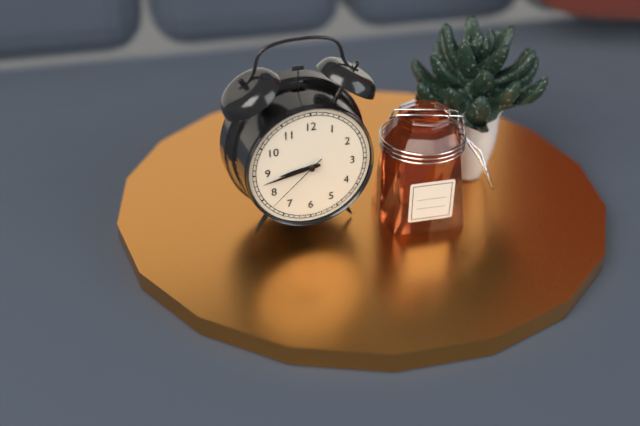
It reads 8.43.38
